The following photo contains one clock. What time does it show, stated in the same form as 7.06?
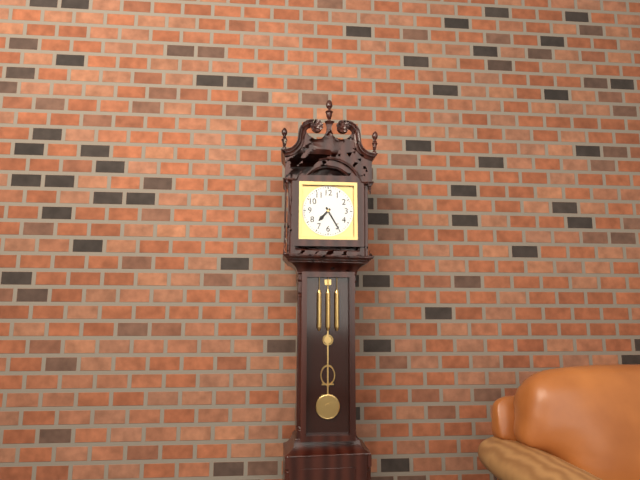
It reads 7.25
